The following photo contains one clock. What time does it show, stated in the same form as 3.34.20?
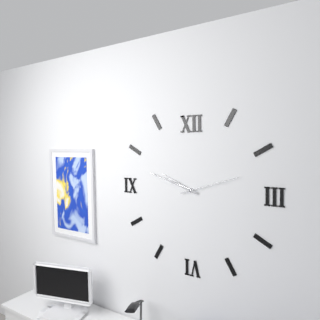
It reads 9.48.12
